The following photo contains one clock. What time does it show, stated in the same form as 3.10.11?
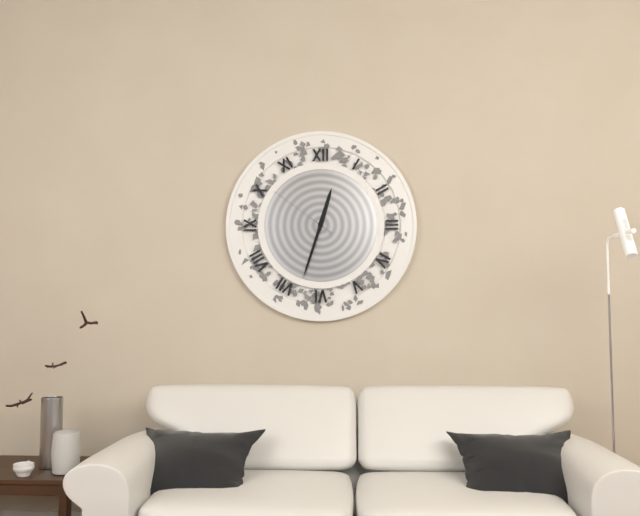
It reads 12.33.51
